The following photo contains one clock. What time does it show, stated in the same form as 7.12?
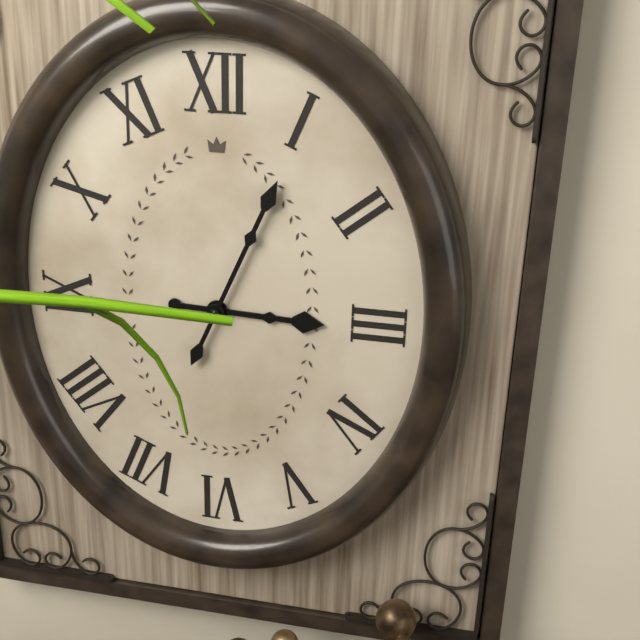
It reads 3.04
